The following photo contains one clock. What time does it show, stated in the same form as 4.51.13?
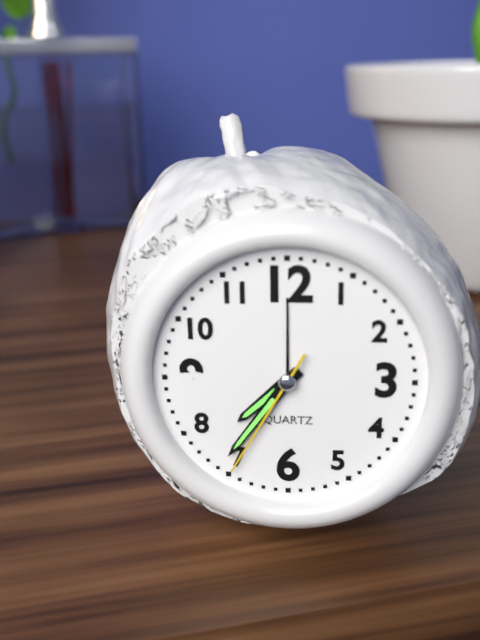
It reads 7.36.35
